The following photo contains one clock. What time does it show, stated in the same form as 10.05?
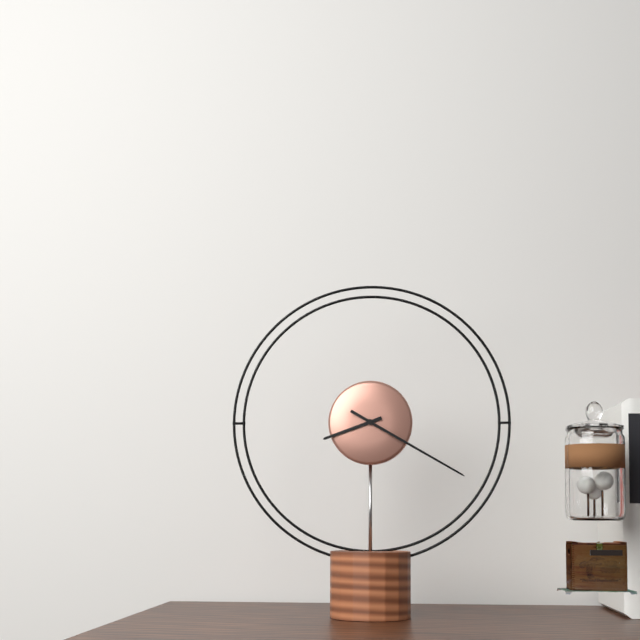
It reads 8.20
